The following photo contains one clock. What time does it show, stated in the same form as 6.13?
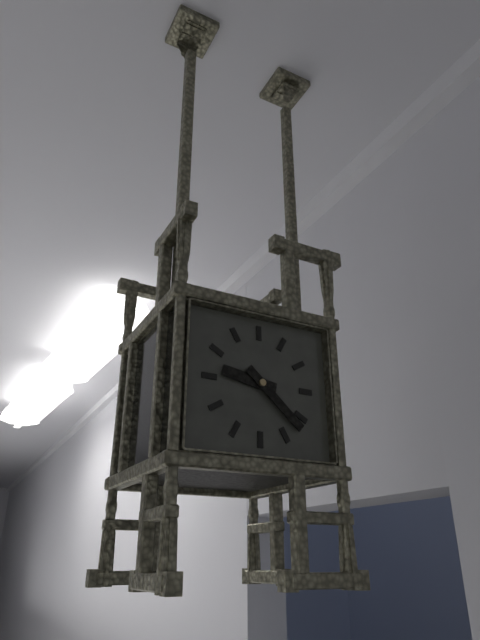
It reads 9.22
